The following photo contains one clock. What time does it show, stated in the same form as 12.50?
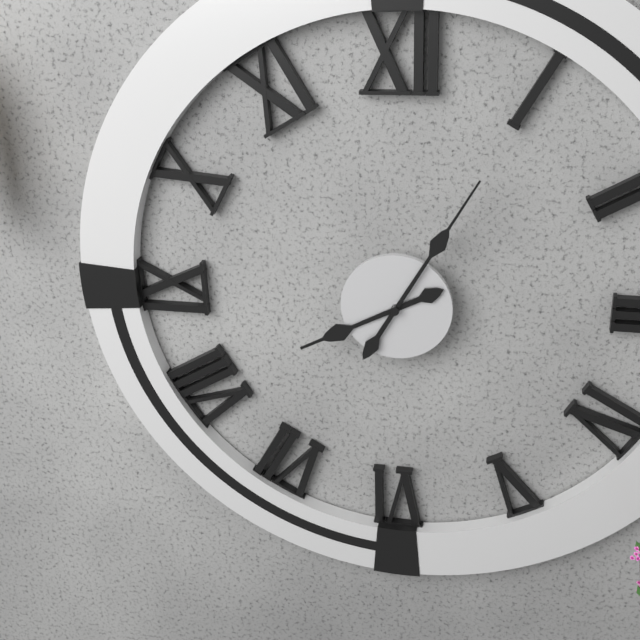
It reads 8.05
